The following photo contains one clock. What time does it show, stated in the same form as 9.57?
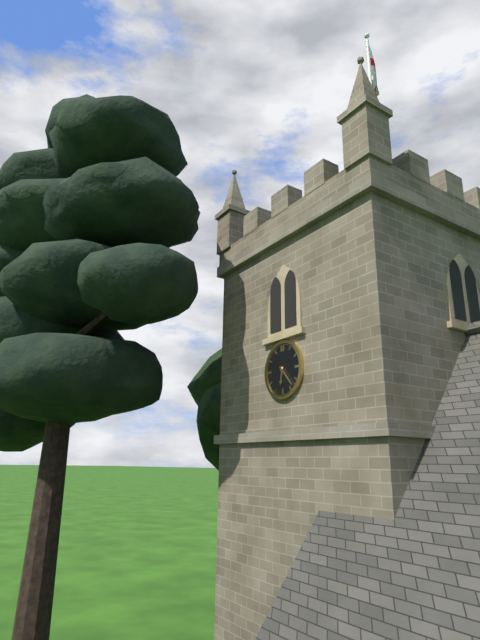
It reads 6.23
